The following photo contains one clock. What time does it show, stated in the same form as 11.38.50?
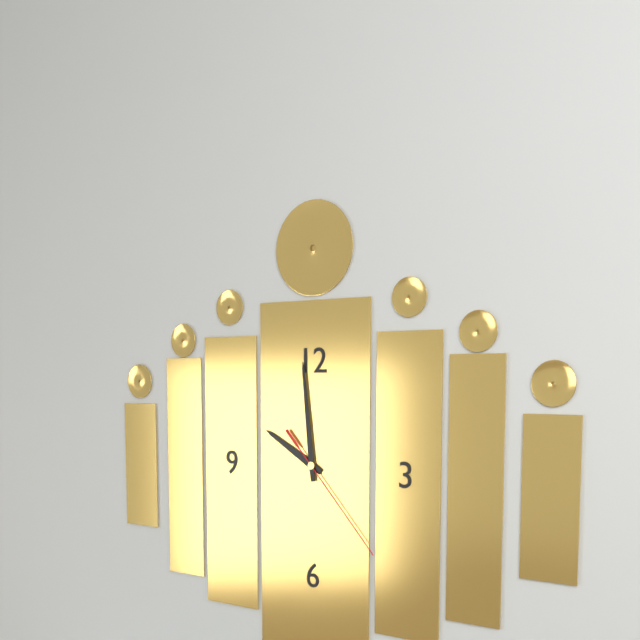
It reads 9.59.23
